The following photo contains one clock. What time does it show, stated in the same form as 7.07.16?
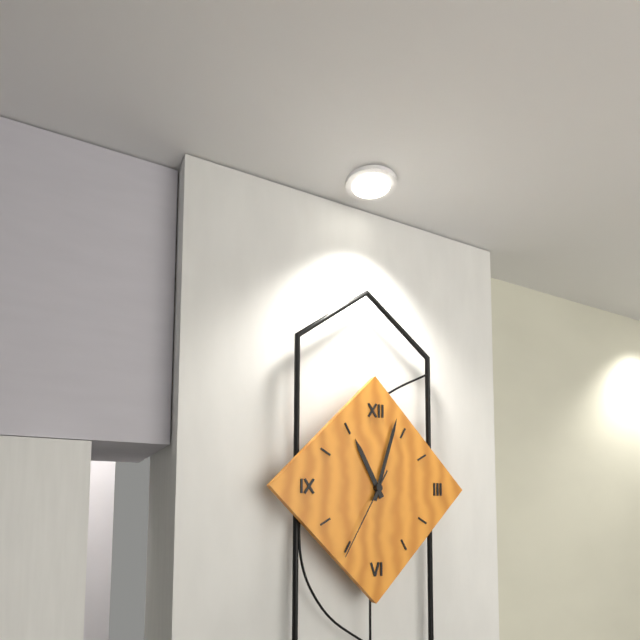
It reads 11.03.35
